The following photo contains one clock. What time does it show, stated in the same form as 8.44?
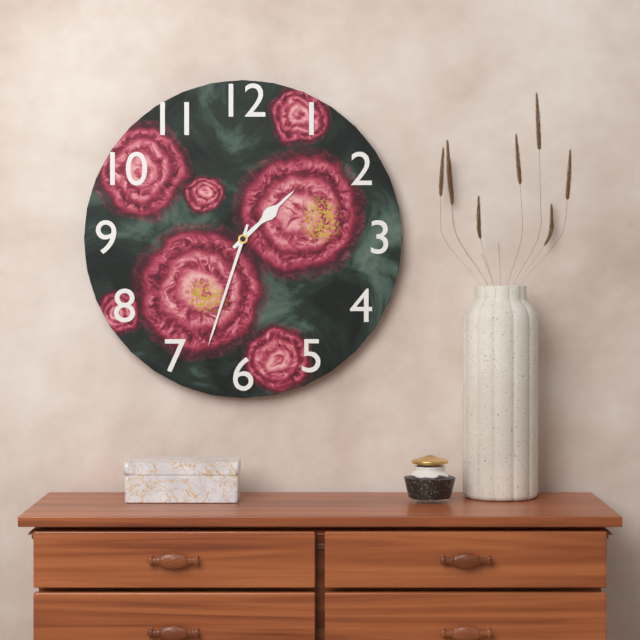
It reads 1.33
